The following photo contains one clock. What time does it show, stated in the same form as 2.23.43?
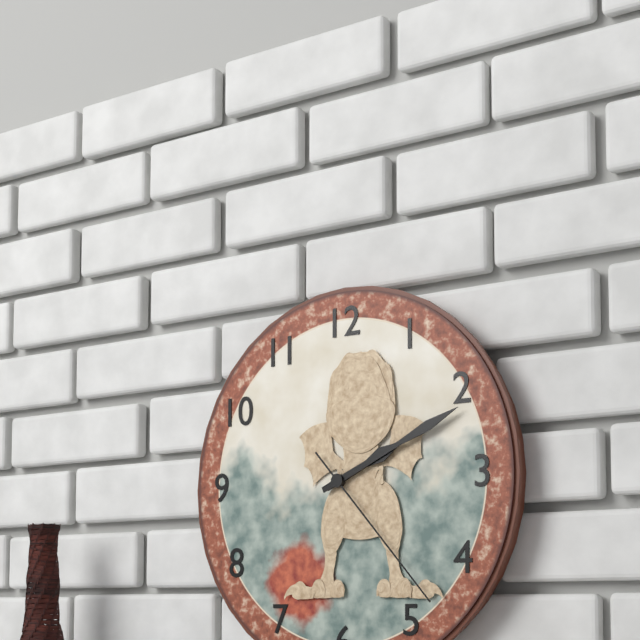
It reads 2.11.23
